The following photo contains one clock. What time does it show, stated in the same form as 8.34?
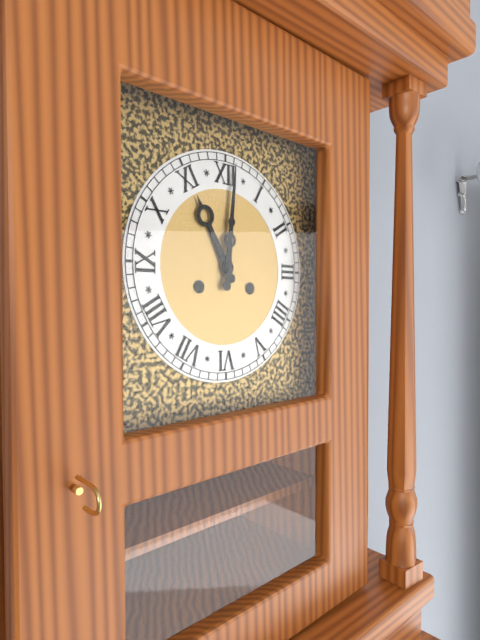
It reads 11.01
